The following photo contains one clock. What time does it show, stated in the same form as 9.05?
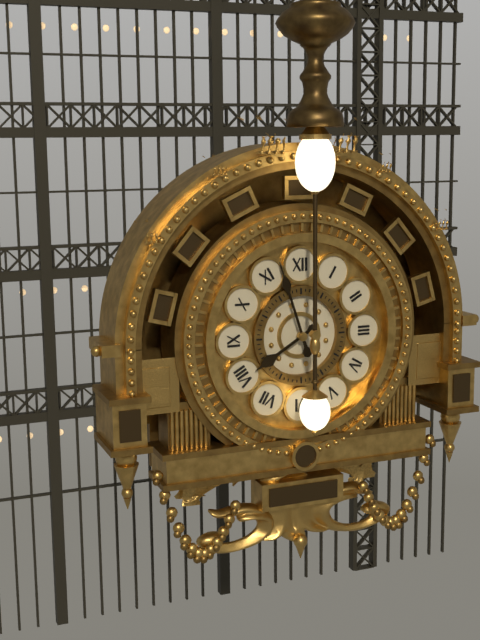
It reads 7.57
